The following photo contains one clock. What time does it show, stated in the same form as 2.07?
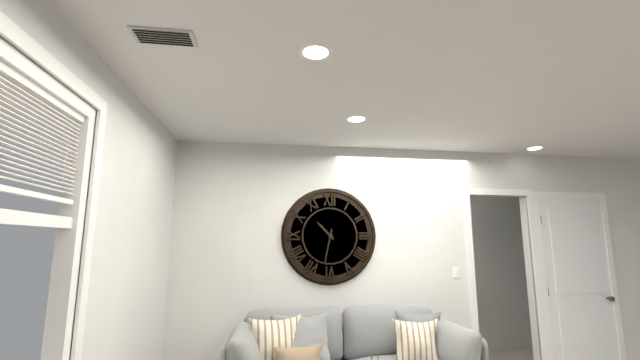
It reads 10.32
